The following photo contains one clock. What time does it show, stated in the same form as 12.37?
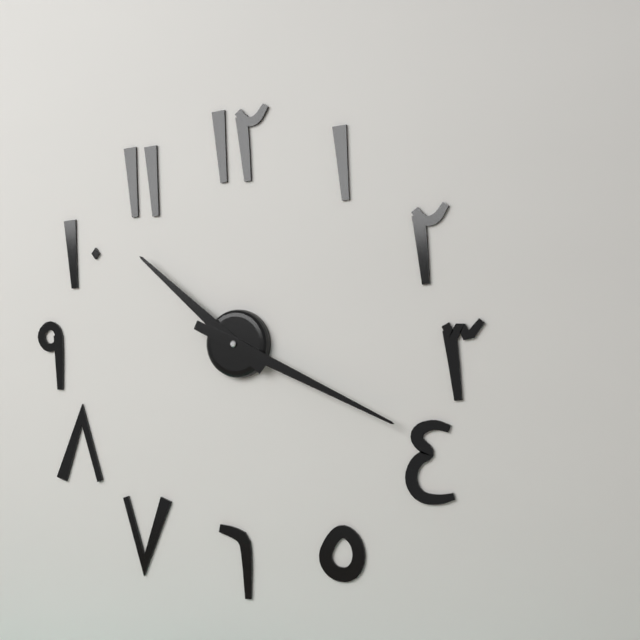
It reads 10.19
